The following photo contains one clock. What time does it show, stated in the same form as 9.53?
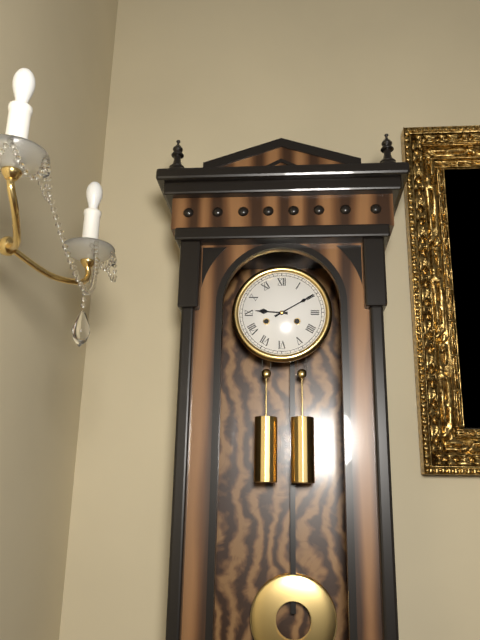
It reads 9.10
